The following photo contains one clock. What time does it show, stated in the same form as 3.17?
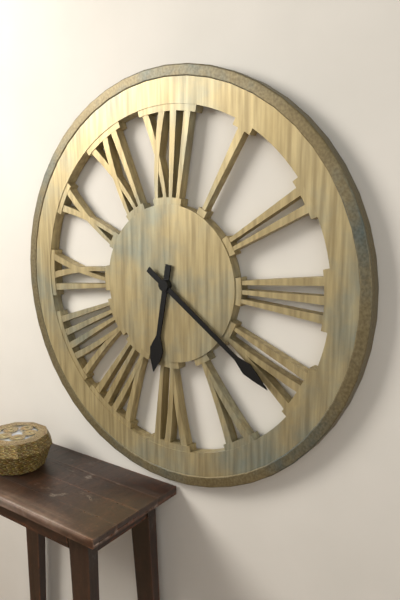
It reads 6.21
